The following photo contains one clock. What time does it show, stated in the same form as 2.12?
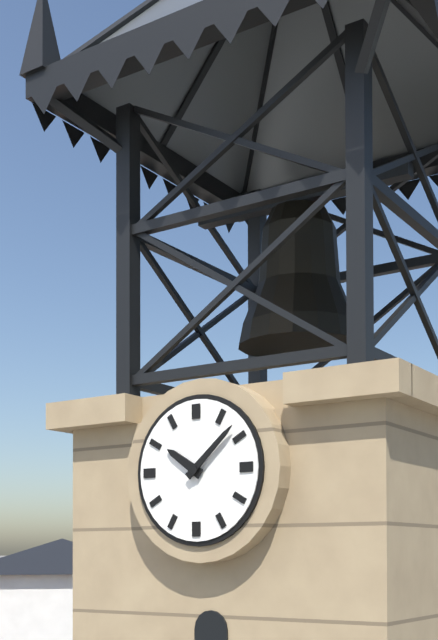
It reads 10.08
